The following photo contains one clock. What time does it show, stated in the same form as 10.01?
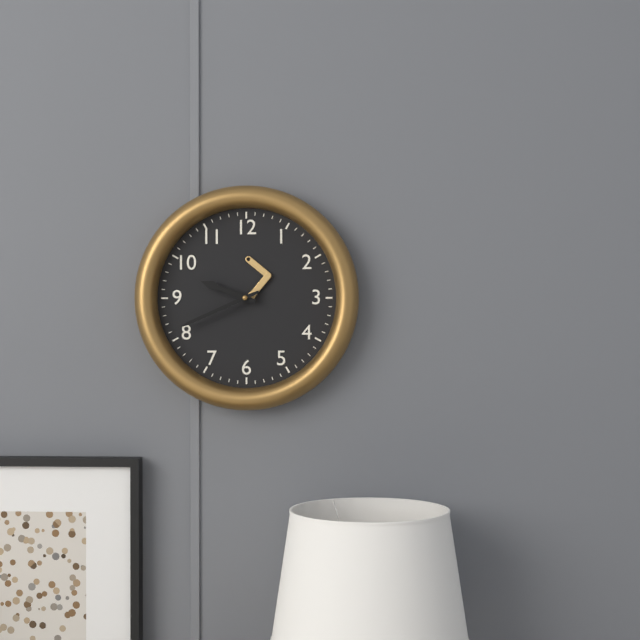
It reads 9.41
